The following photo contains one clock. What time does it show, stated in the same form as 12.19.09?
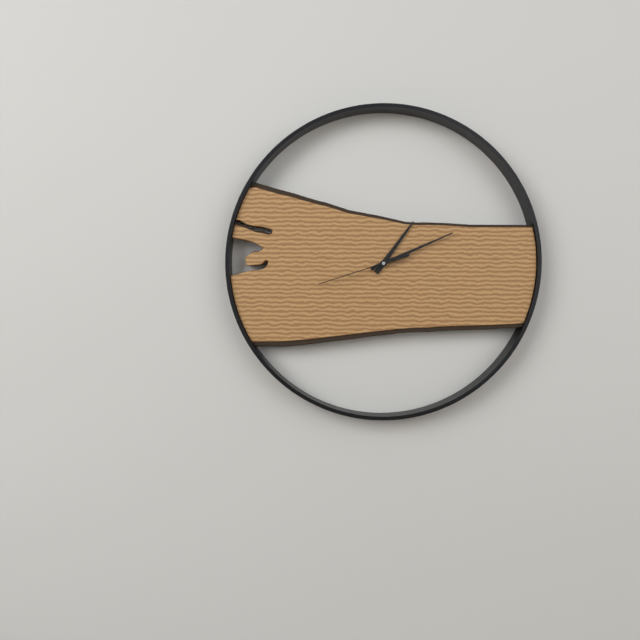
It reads 1.11.42
